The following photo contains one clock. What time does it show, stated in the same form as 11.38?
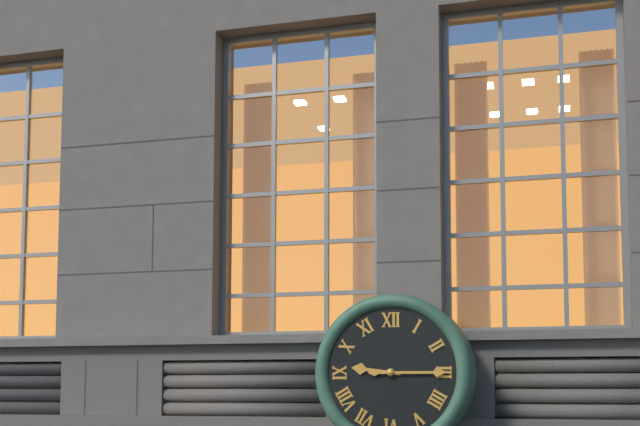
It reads 9.15
